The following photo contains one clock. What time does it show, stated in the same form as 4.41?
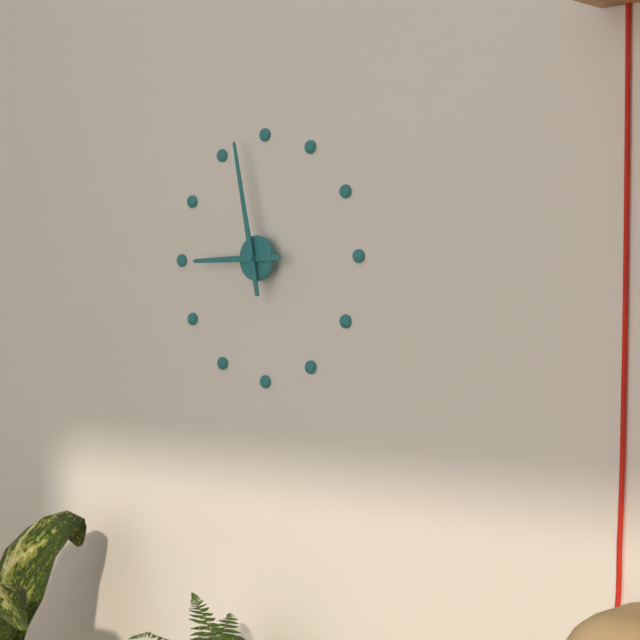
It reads 8.58
